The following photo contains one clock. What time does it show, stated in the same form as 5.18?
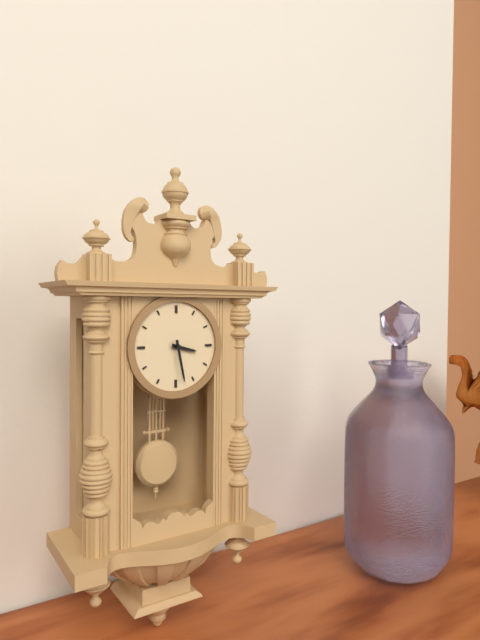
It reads 3.28
